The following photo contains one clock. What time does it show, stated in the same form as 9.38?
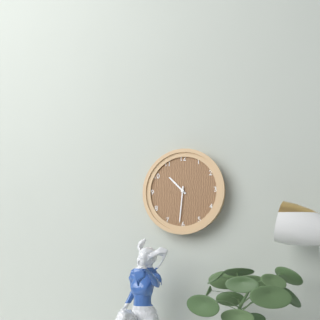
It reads 10.31
